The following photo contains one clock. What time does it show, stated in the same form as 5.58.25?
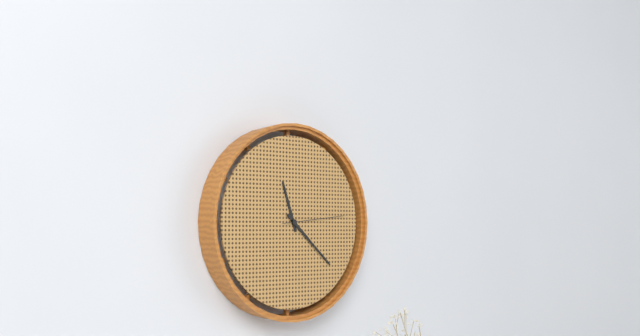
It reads 11.22.14
